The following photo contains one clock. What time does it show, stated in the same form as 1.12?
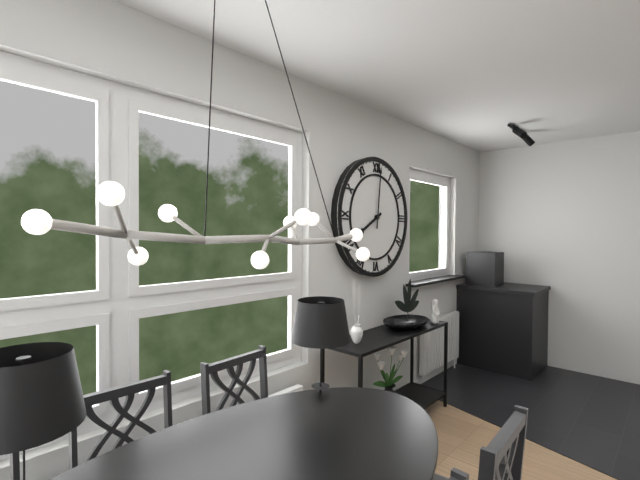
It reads 8.01
